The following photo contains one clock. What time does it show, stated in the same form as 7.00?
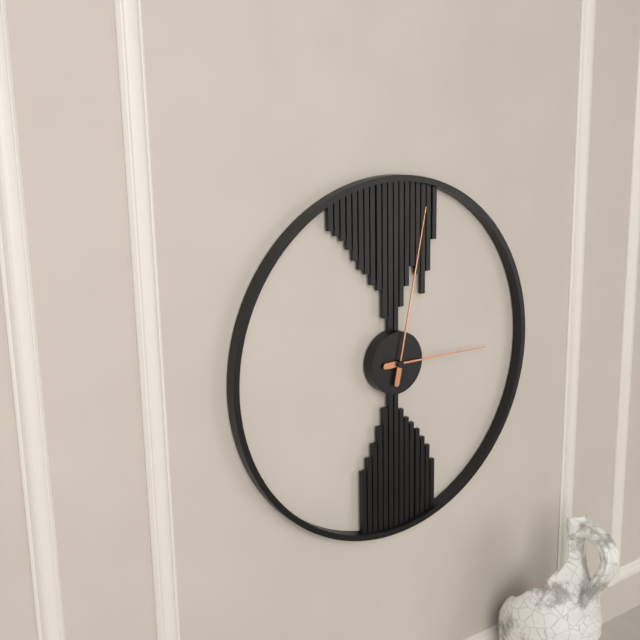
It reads 3.02
